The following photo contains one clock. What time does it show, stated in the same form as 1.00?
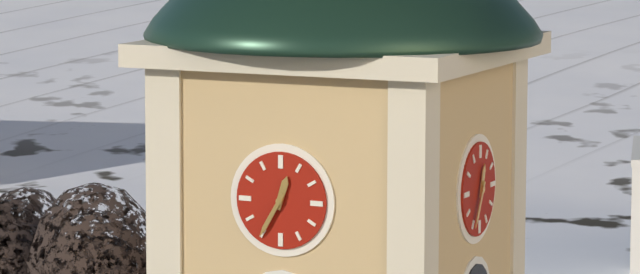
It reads 12.35
